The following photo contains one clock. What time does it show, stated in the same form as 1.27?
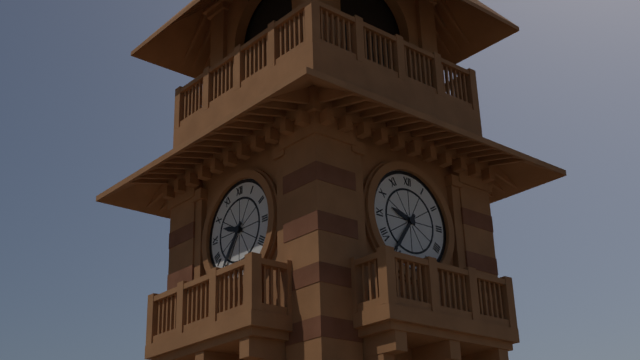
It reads 9.36
